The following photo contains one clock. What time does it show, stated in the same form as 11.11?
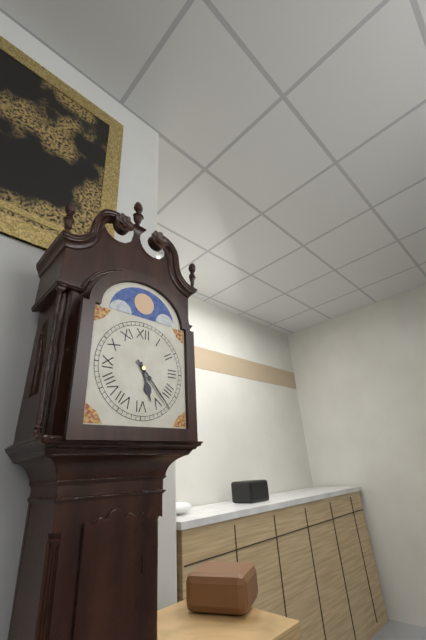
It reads 5.23
